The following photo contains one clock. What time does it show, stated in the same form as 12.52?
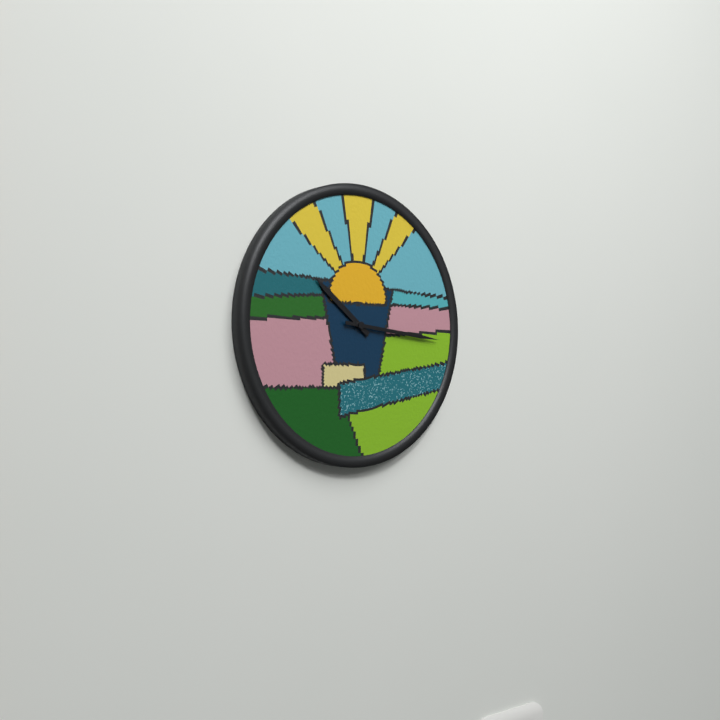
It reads 10.16
